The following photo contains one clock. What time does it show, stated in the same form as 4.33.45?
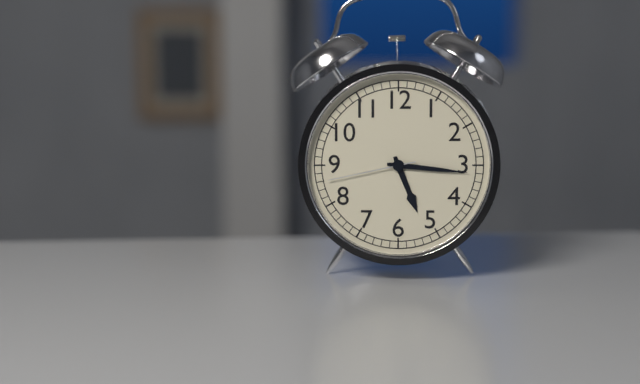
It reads 5.16.43
